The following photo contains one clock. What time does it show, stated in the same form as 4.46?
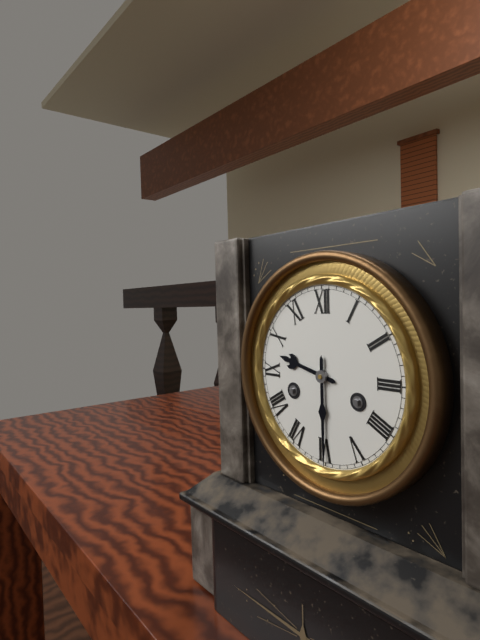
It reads 9.30
